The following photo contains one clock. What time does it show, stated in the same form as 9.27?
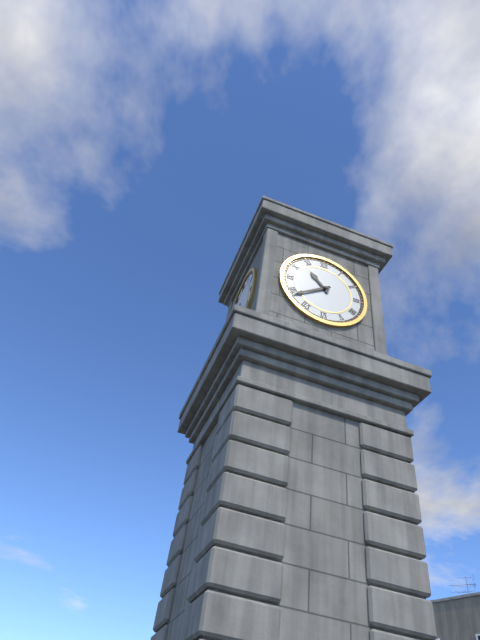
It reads 10.39
